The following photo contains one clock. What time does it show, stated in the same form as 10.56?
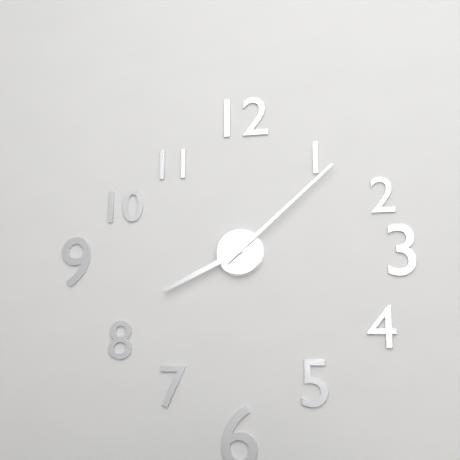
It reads 8.08
